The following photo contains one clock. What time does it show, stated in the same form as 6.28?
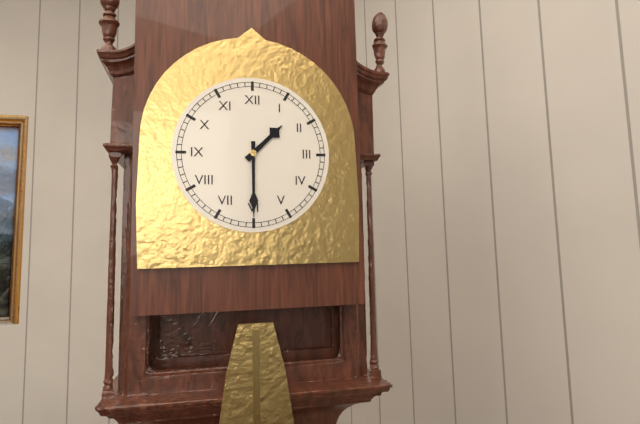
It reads 1.30
